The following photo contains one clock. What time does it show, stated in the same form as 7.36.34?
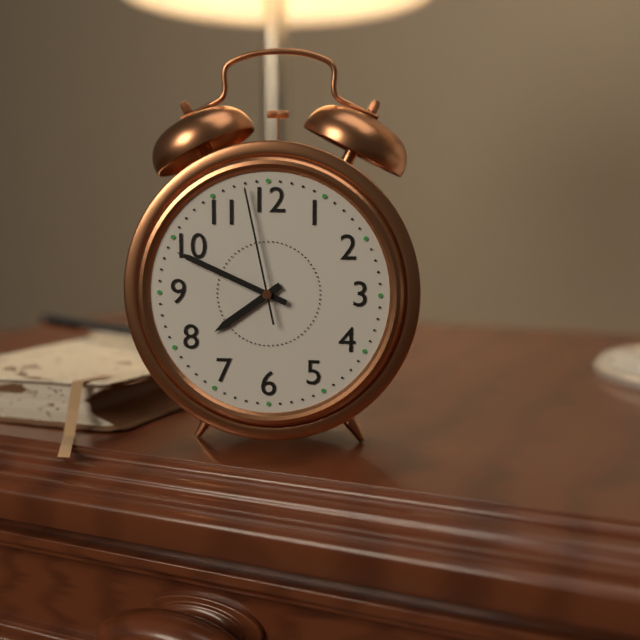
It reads 7.49.58
